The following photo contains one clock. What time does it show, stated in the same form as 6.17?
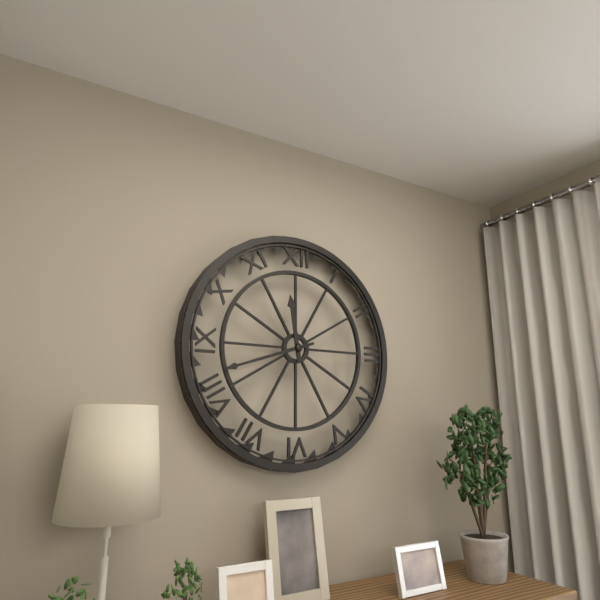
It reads 11.42
